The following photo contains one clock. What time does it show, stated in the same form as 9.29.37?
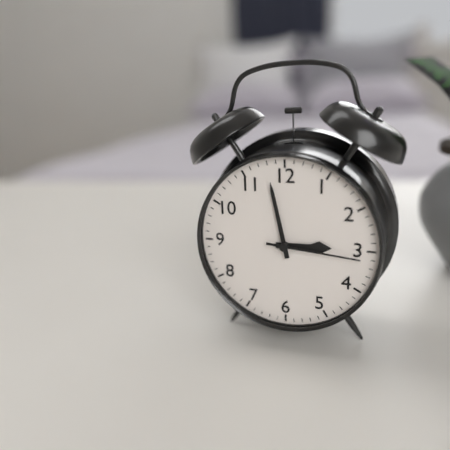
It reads 2.58.16
